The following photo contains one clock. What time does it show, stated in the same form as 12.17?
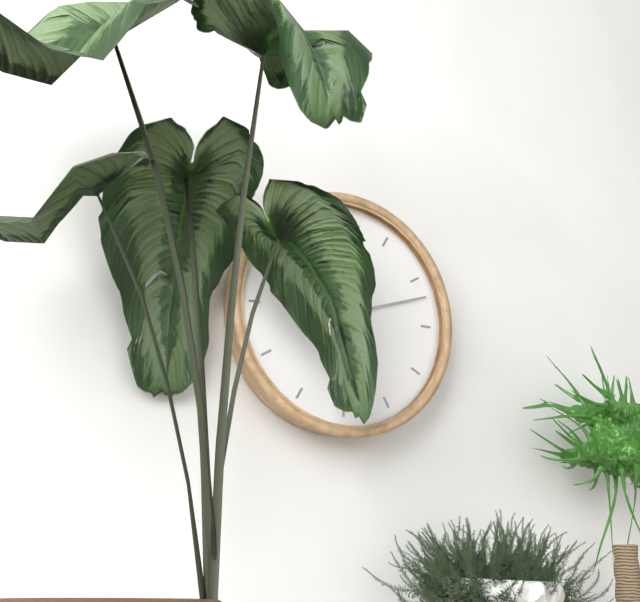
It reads 10.12
